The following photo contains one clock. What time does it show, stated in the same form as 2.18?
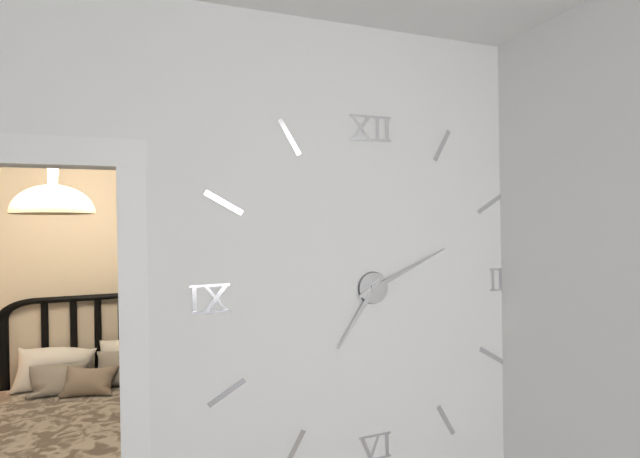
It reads 7.11
